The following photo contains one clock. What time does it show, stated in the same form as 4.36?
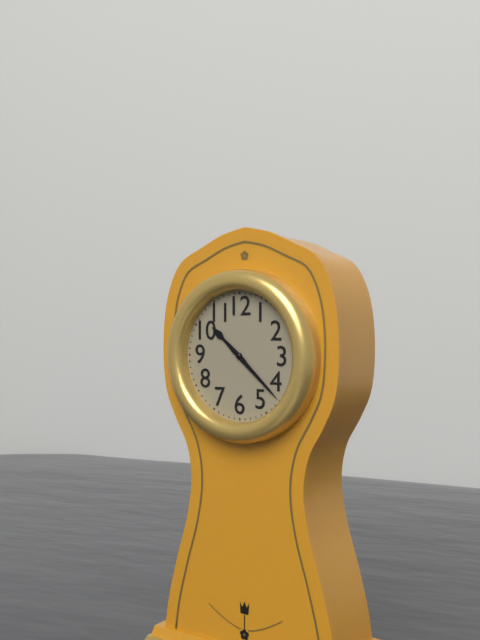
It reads 10.22
